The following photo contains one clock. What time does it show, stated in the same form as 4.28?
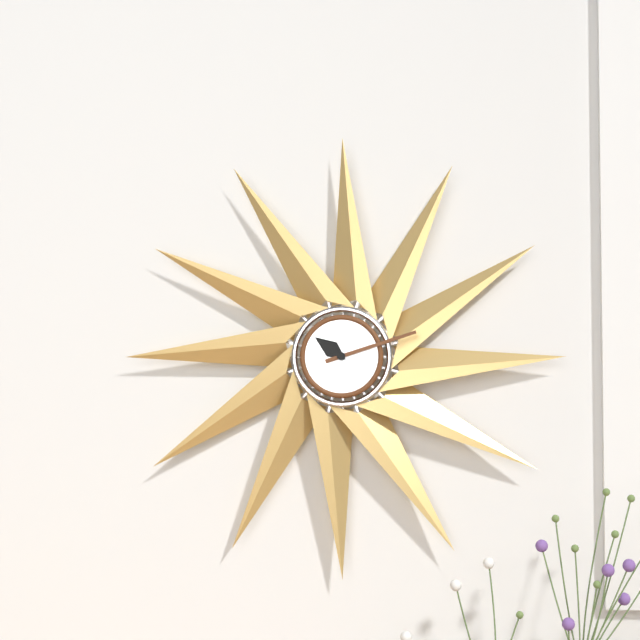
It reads 10.12
